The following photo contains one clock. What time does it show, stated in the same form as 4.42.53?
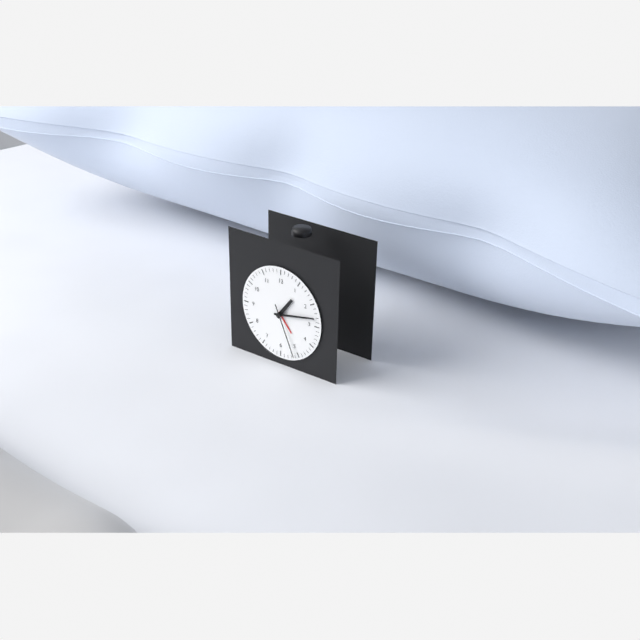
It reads 1.13.26
